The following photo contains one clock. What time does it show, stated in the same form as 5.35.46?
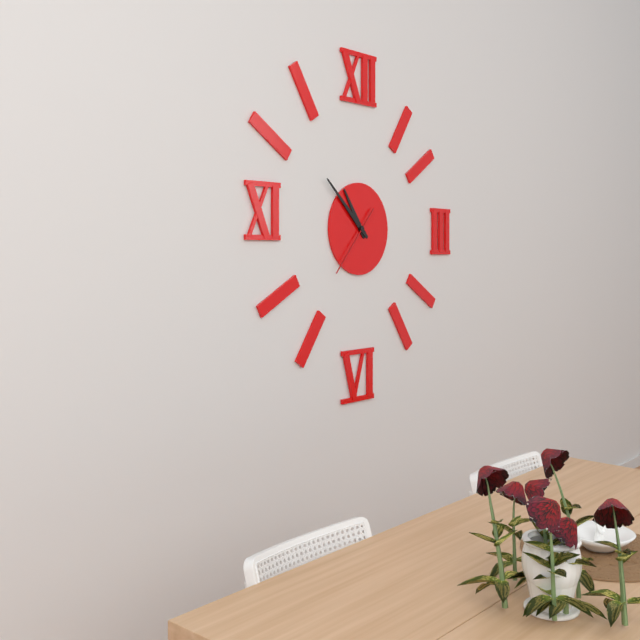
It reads 10.52.37
